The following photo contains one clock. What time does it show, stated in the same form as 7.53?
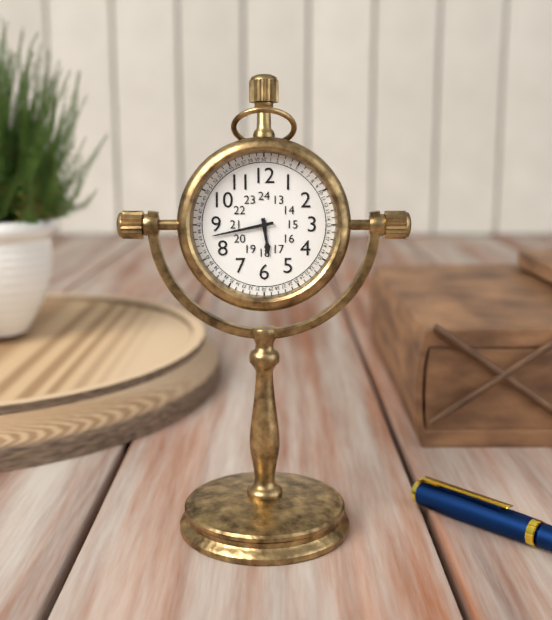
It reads 5.43
